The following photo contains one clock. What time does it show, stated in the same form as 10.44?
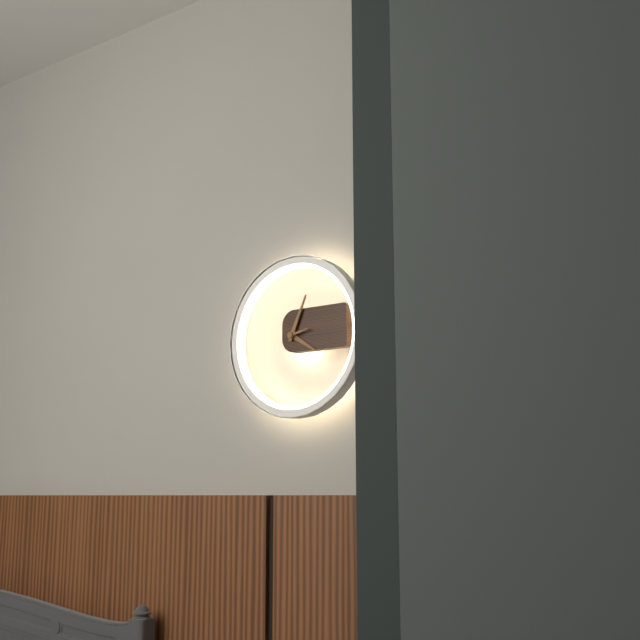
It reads 4.04
